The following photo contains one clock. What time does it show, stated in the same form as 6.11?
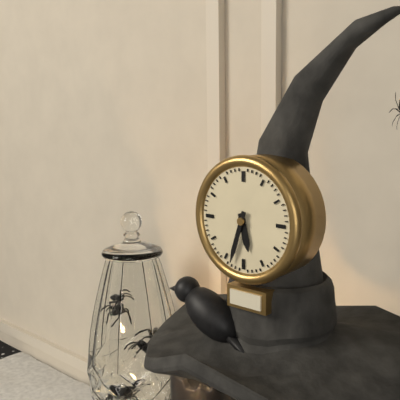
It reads 5.33
